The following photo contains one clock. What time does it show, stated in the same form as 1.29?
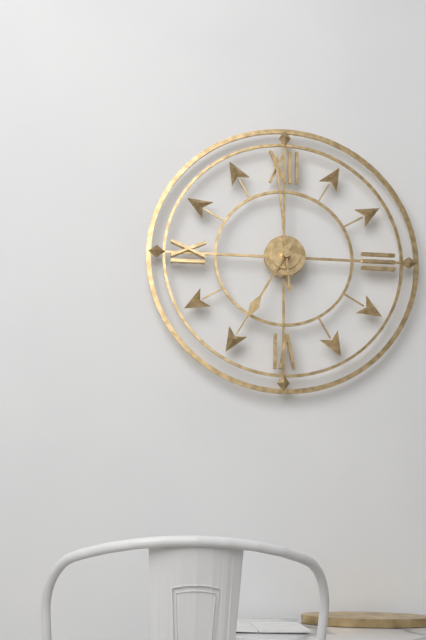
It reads 6.59
